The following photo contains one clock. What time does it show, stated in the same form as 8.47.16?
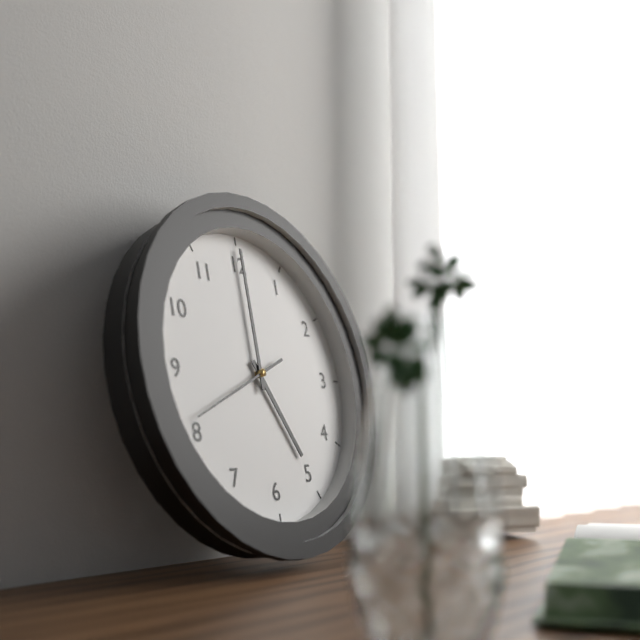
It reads 5.00.41
